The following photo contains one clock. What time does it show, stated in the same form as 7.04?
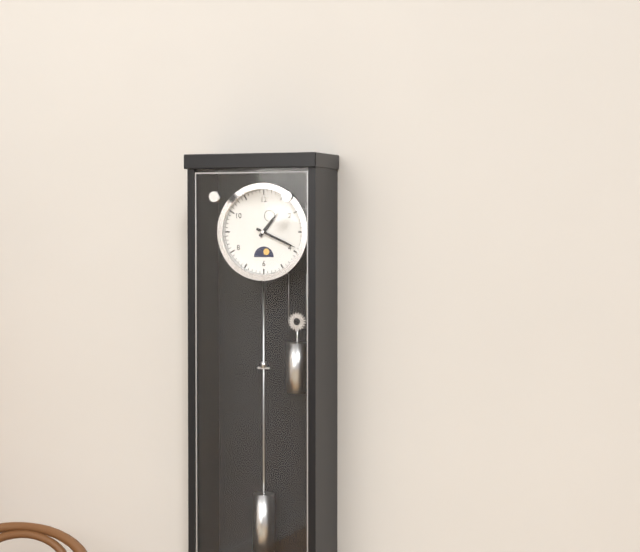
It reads 1.19
